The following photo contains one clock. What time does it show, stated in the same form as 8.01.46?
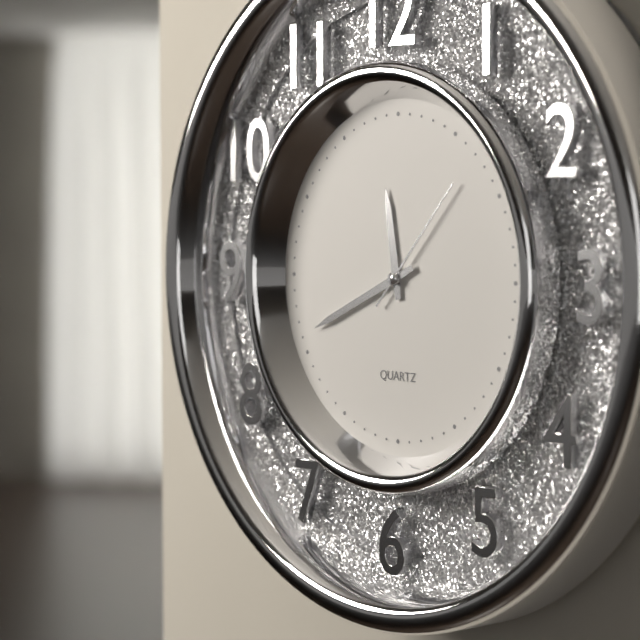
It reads 11.41.07
